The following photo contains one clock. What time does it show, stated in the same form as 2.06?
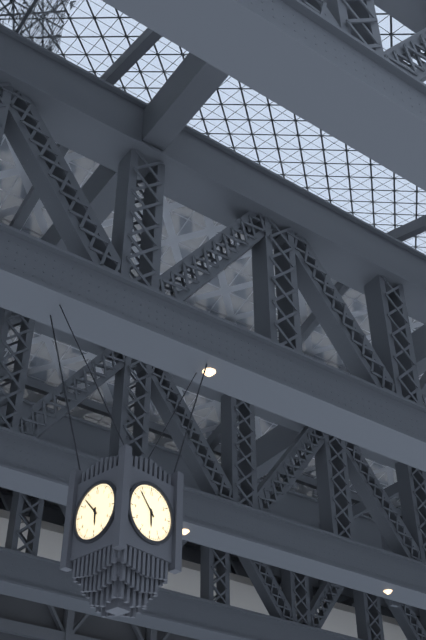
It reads 5.53
